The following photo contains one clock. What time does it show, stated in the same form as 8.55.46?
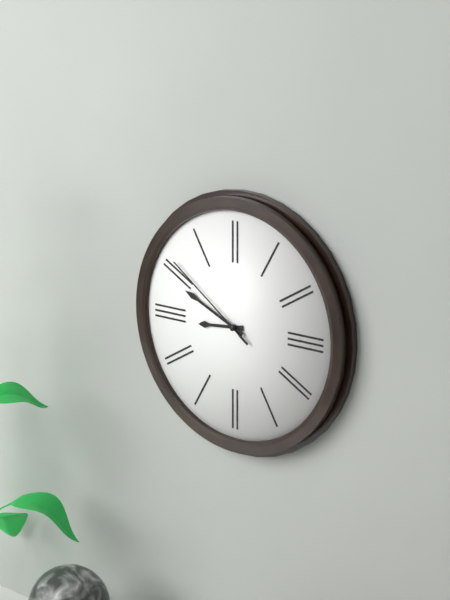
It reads 8.49.51
